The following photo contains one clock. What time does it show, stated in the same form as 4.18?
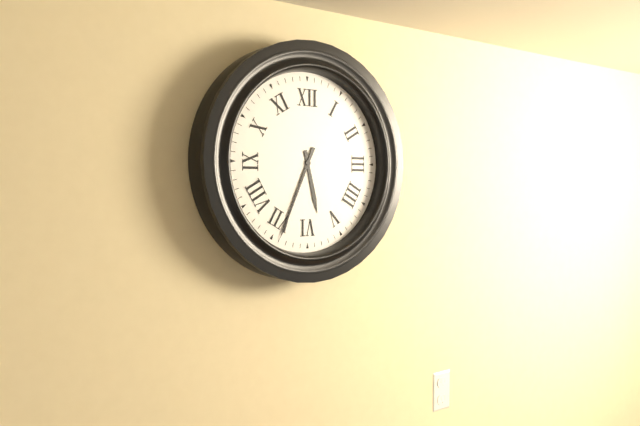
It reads 5.34
